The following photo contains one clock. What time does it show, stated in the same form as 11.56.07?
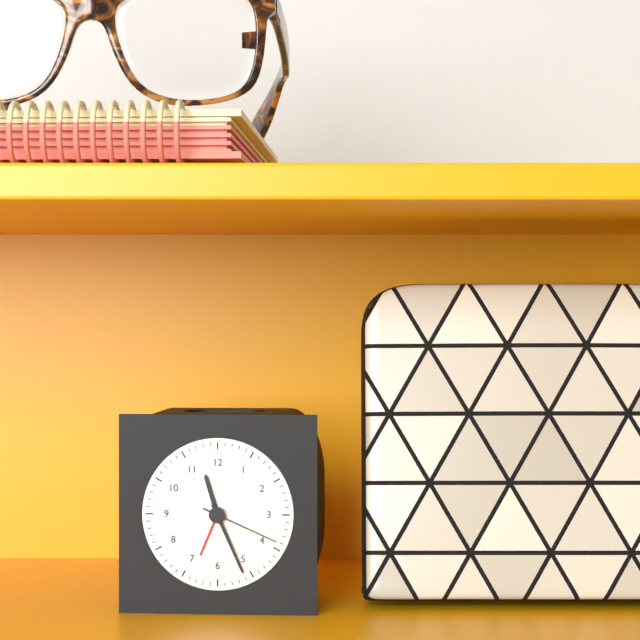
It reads 11.26.19
